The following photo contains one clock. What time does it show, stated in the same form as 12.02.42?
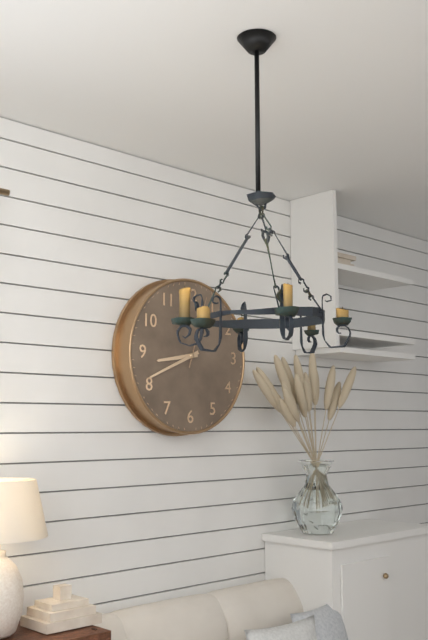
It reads 8.41.03
